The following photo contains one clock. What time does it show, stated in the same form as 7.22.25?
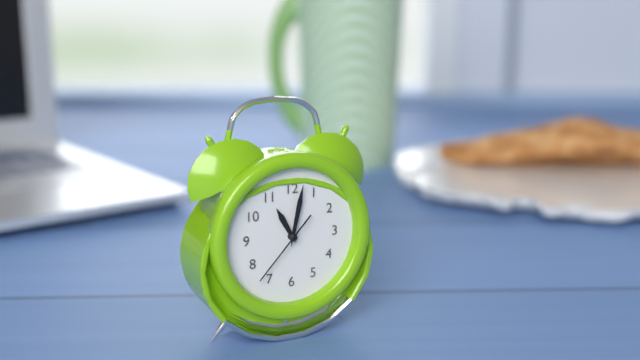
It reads 11.02.37
